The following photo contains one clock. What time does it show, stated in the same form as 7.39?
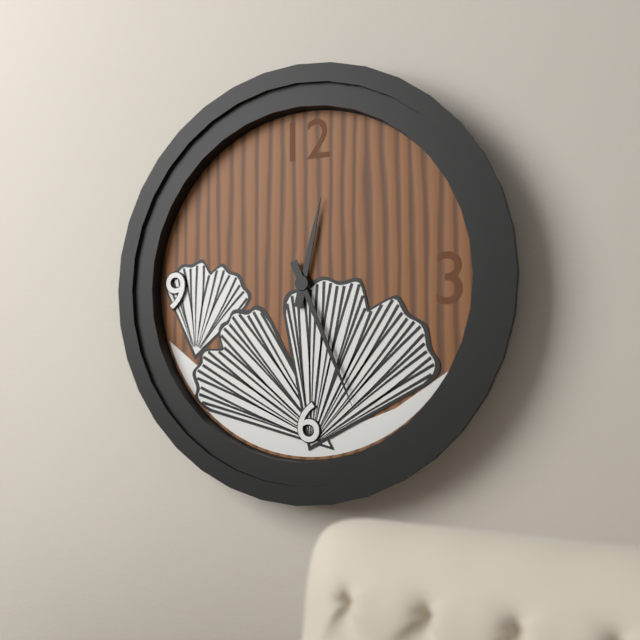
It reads 12.26
